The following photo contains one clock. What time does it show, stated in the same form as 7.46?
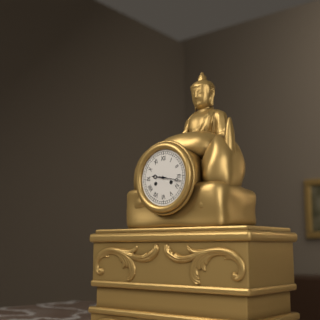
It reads 9.17
